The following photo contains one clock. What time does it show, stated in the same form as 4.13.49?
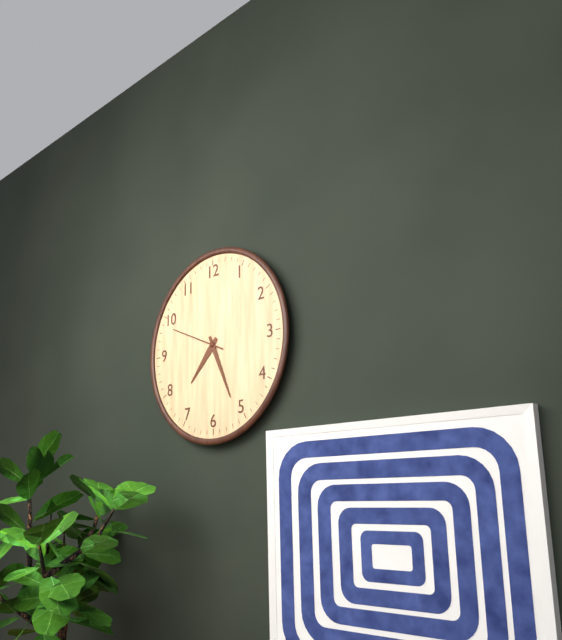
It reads 7.26.49
